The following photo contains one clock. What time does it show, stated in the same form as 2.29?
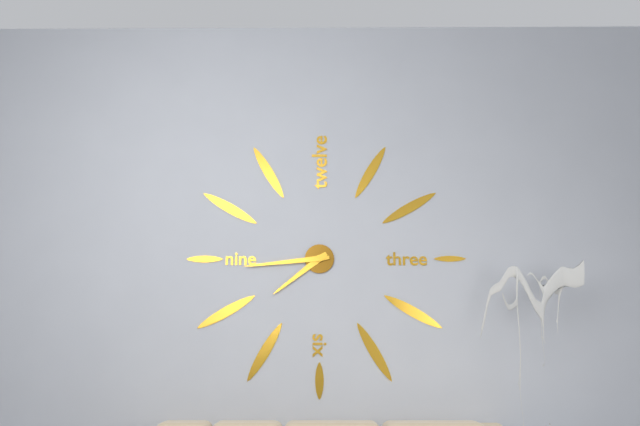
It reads 7.44
